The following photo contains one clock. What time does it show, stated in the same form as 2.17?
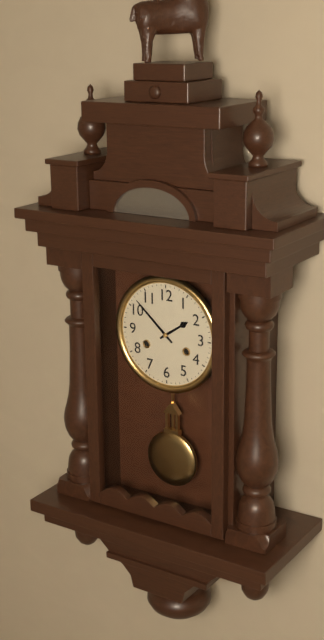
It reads 1.52
